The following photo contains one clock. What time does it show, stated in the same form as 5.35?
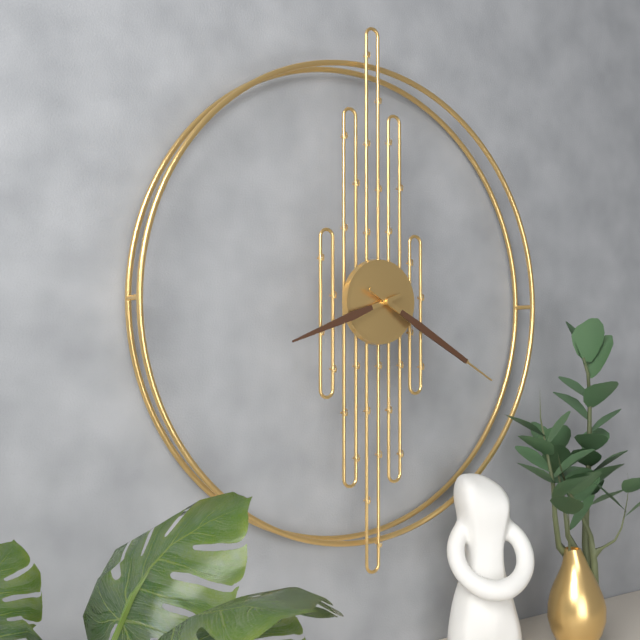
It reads 8.20
